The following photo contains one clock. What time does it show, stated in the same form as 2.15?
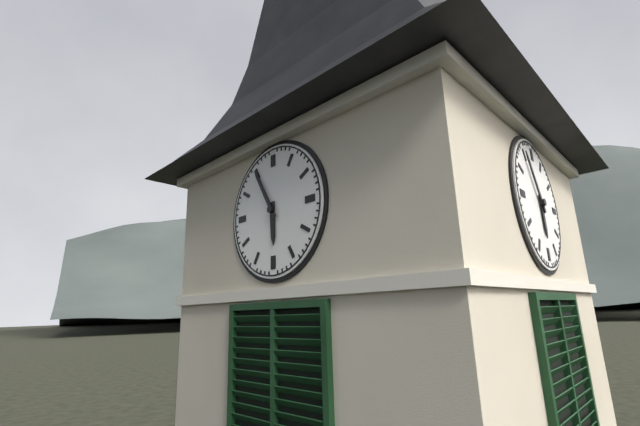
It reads 5.55
